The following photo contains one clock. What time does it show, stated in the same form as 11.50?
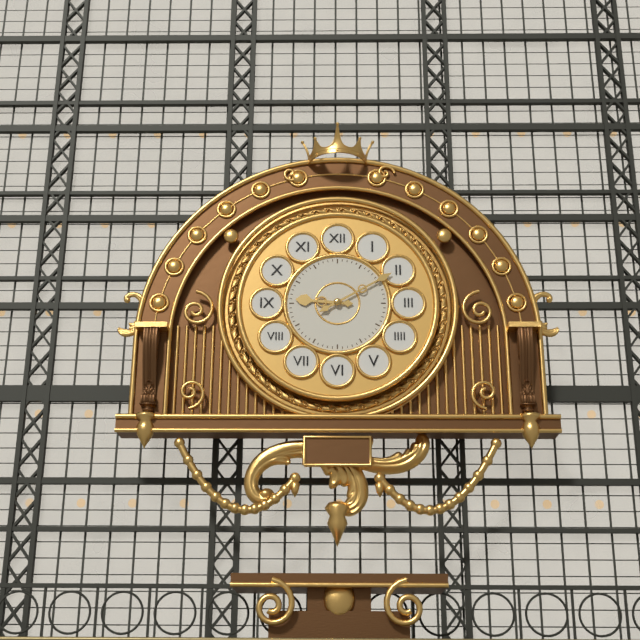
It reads 9.10
